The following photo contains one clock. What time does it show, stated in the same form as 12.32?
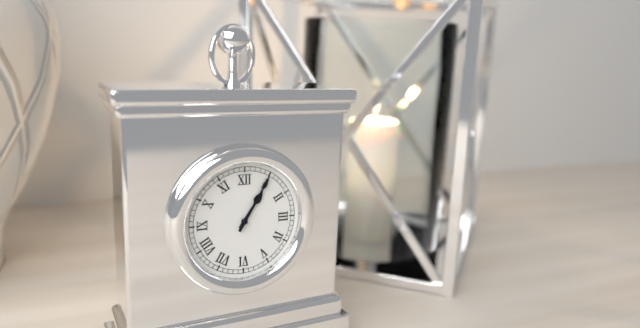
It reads 1.05
